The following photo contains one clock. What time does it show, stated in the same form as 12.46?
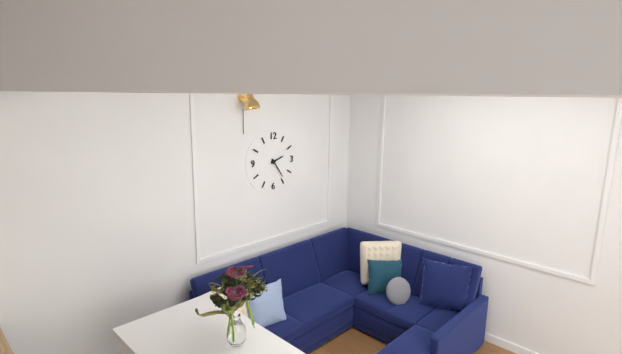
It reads 2.24
